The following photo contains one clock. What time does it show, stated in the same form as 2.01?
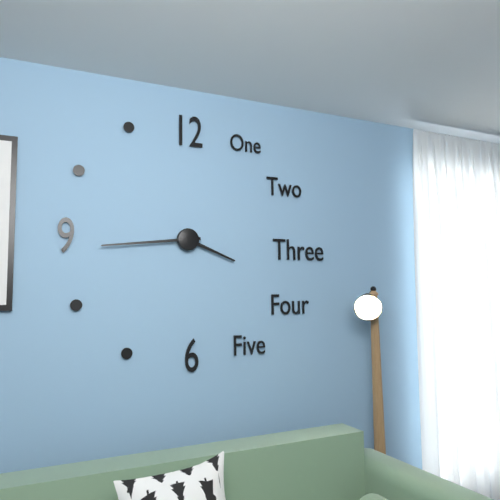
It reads 3.44
